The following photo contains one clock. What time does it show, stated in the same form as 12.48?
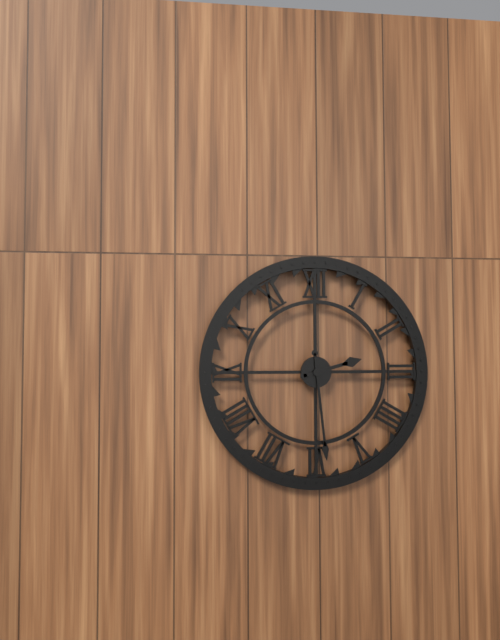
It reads 2.29
